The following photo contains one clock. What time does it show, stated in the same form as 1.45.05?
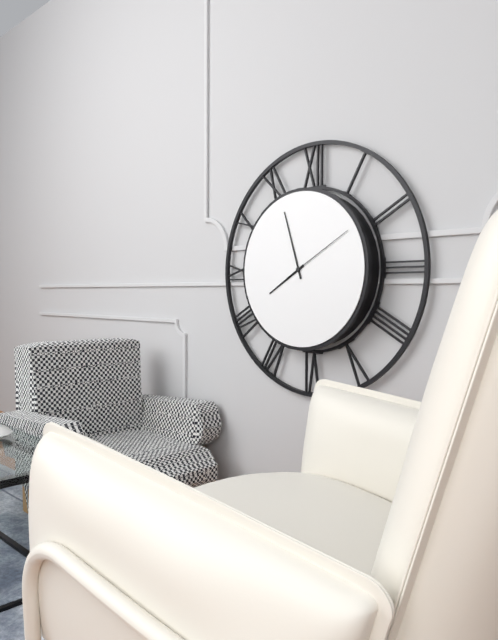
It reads 7.57.10
